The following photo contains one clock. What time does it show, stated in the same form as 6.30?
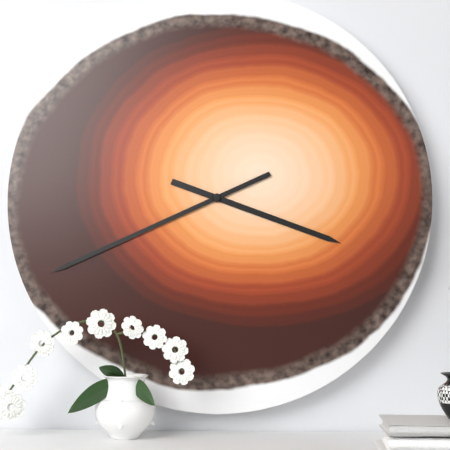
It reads 3.41
